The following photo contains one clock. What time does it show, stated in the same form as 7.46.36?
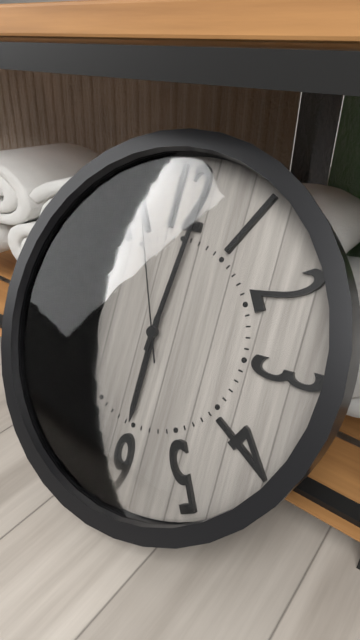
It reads 6.01.56
